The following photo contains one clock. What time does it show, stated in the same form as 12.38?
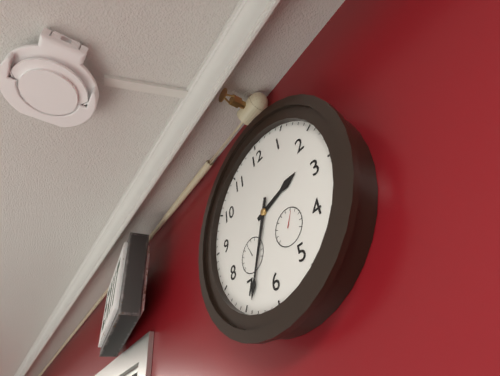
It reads 2.34
